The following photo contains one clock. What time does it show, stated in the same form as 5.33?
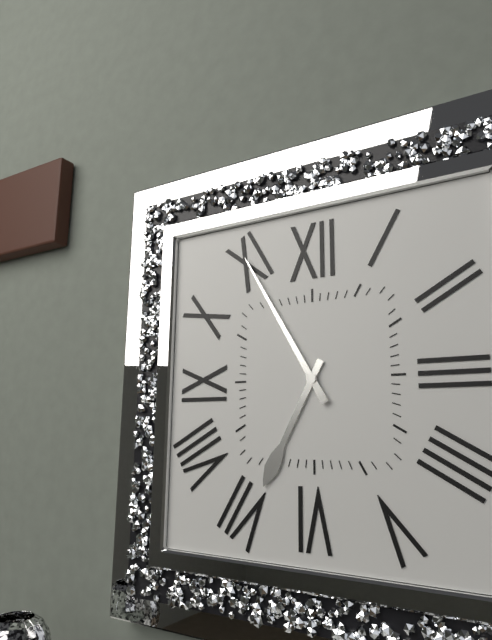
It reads 6.55
